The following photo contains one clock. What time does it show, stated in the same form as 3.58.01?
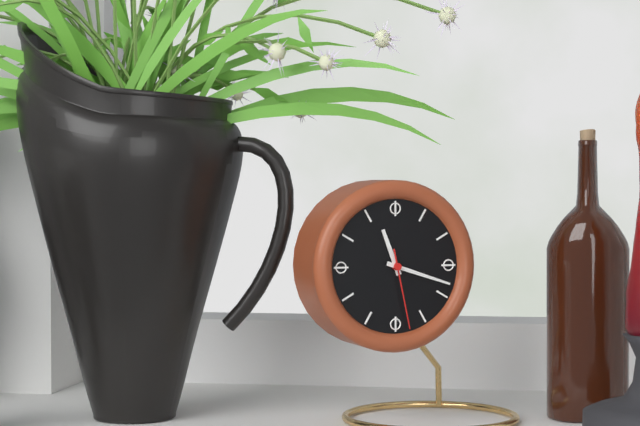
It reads 11.18.28
